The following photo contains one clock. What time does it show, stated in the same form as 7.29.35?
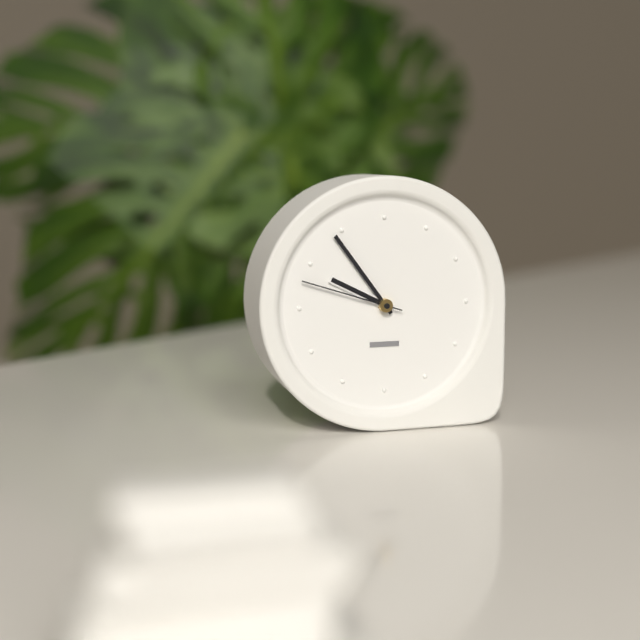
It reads 9.54.48
